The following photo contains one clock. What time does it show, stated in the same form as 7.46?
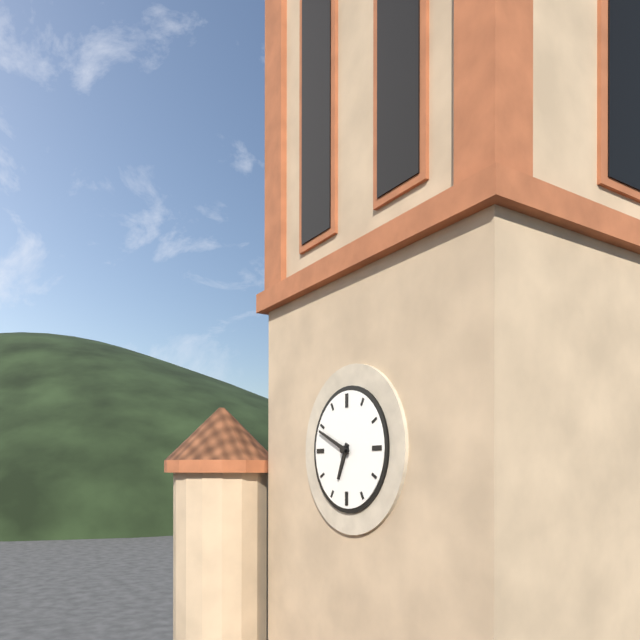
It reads 6.49
